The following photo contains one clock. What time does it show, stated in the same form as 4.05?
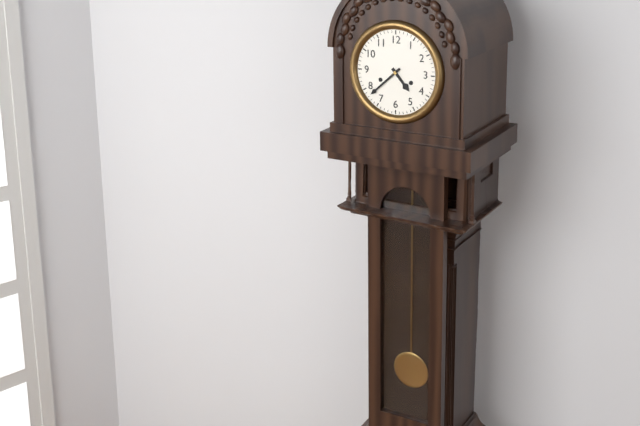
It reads 4.38
